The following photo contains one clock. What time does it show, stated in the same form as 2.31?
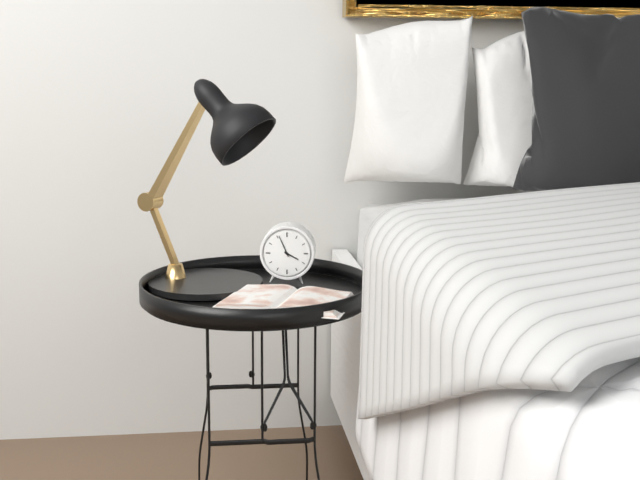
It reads 3.56
